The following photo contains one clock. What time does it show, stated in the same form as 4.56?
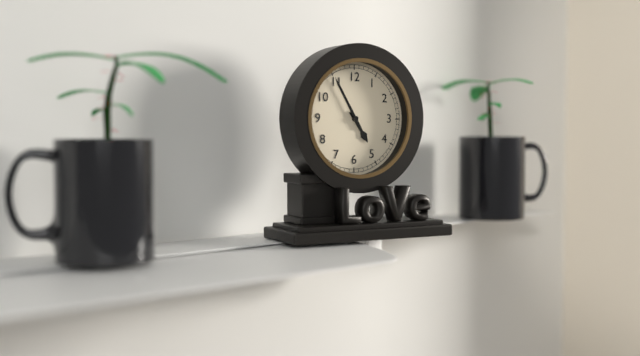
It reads 4.55
